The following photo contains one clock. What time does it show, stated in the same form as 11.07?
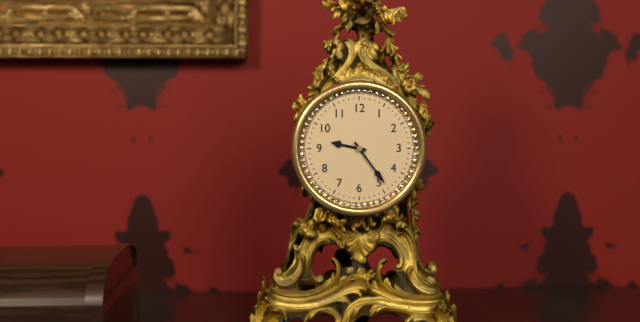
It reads 9.24
